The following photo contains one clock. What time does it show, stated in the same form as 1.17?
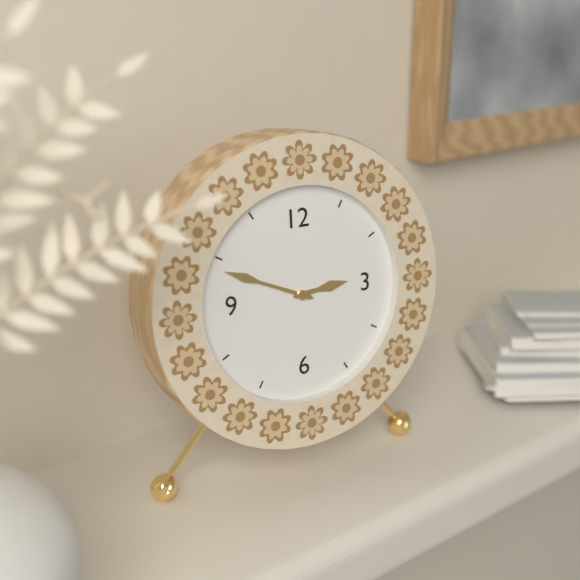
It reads 2.49
